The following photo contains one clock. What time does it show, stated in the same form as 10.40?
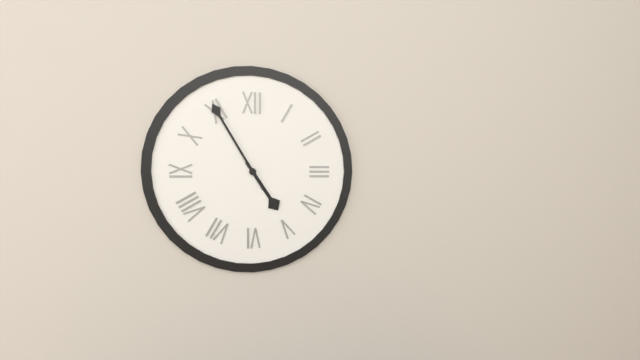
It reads 4.55
